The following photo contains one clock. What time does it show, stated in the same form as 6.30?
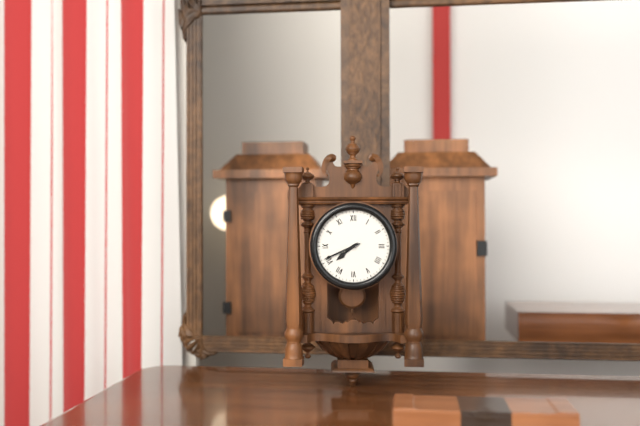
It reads 7.41
